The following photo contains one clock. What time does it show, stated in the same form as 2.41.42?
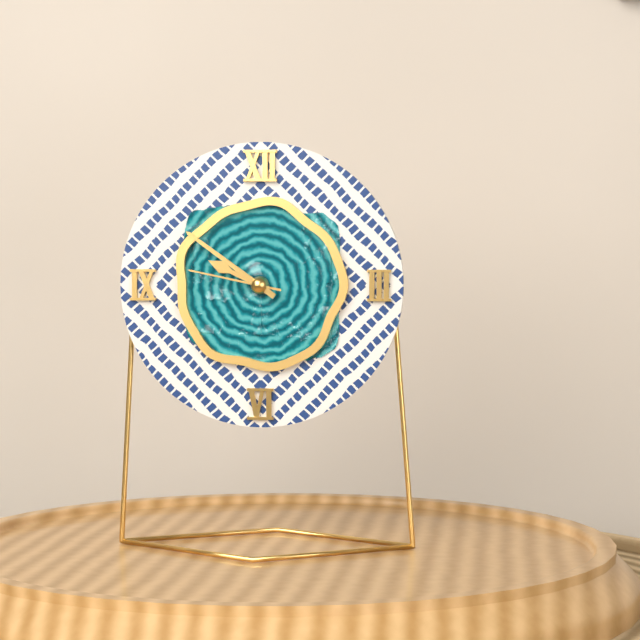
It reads 9.51.47
